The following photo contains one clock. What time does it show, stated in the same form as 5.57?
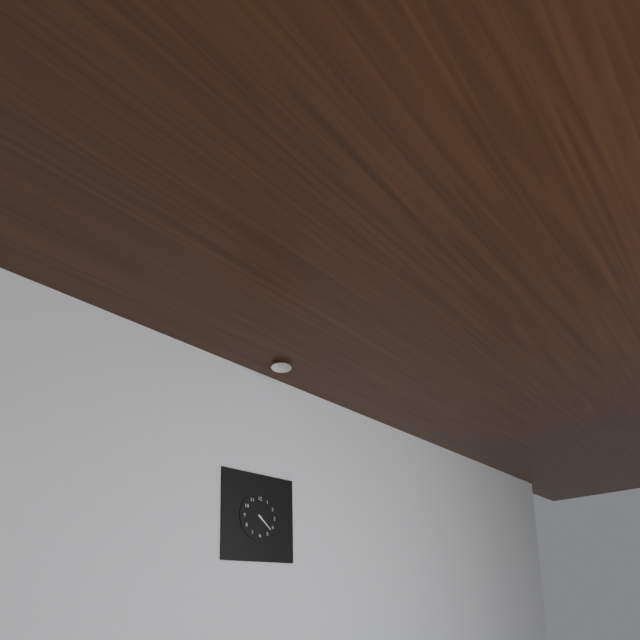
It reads 4.22
